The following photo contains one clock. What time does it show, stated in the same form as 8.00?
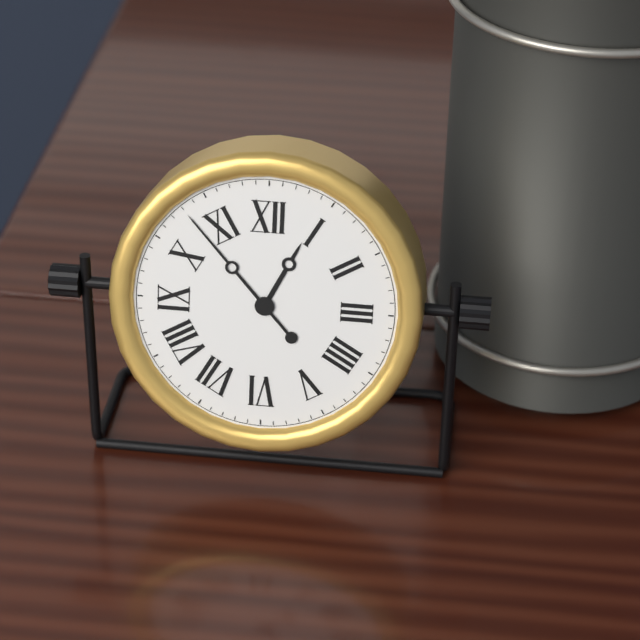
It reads 12.53
